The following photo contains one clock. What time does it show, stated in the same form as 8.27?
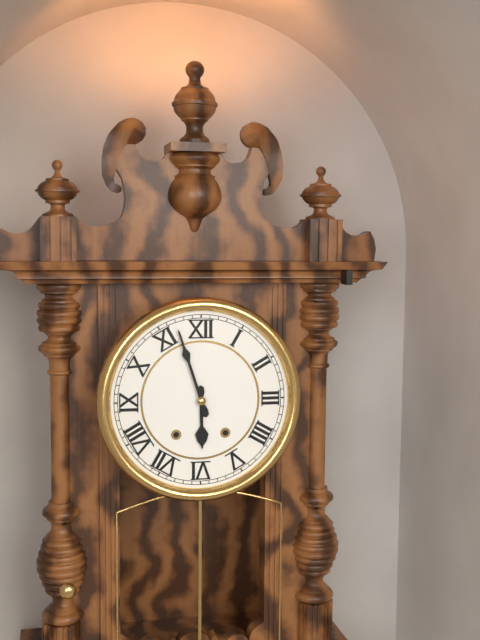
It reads 5.57
